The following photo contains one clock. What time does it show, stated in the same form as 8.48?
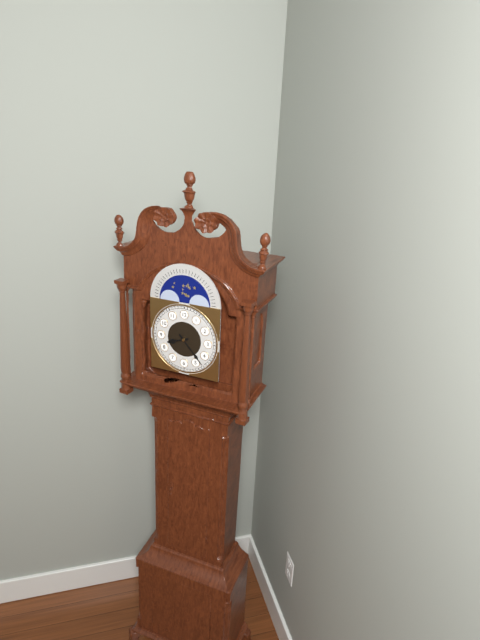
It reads 8.23
